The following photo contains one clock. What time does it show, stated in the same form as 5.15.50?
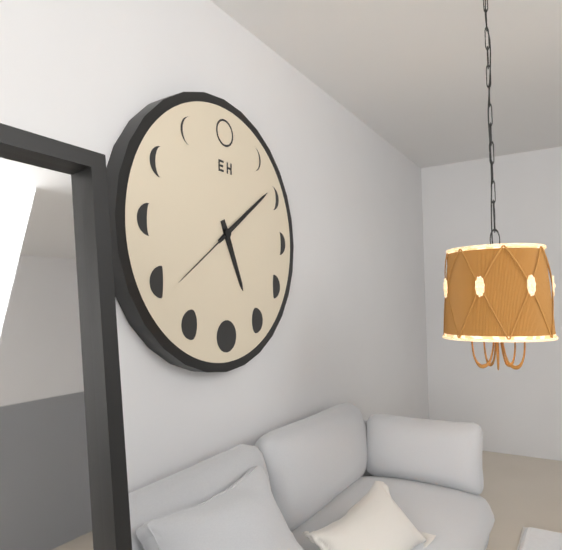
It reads 5.09.39
